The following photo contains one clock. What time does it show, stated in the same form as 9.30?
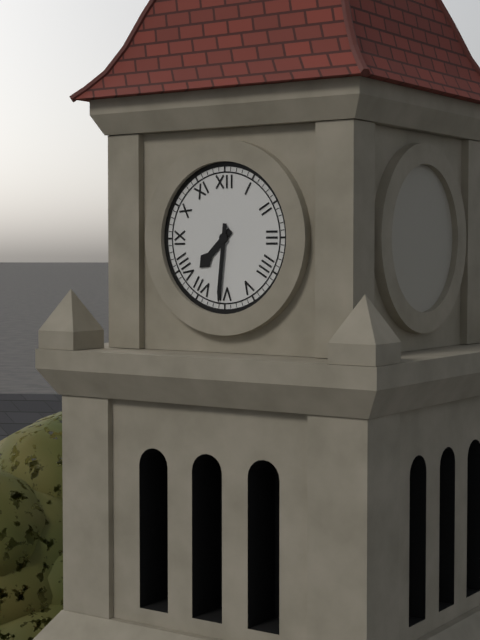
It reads 7.31
